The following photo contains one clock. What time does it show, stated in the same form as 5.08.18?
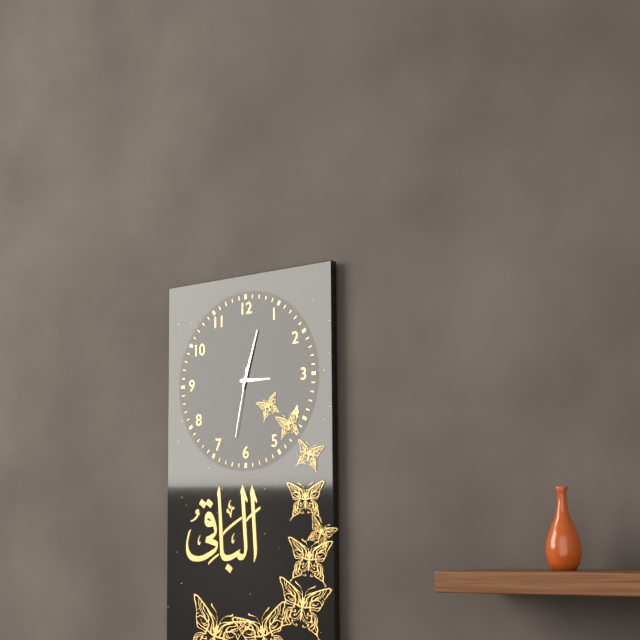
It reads 3.03.32
